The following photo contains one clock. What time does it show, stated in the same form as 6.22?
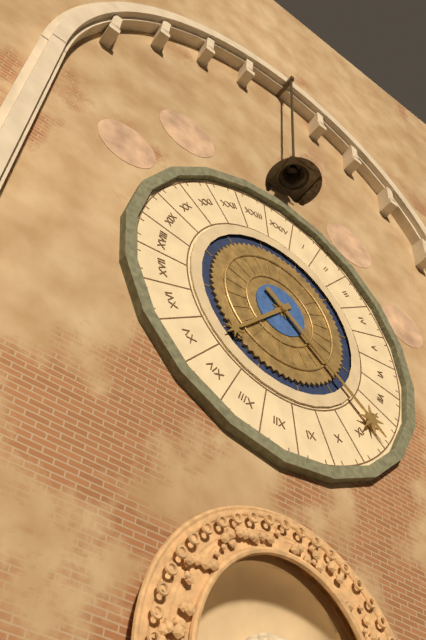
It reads 7.21
